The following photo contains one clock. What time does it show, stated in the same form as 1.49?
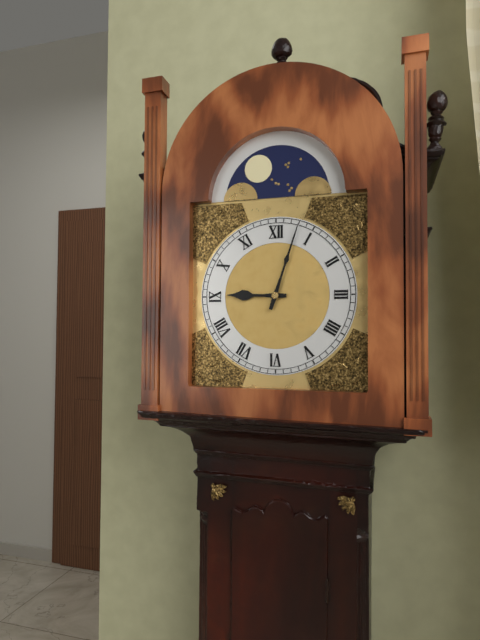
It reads 9.03
